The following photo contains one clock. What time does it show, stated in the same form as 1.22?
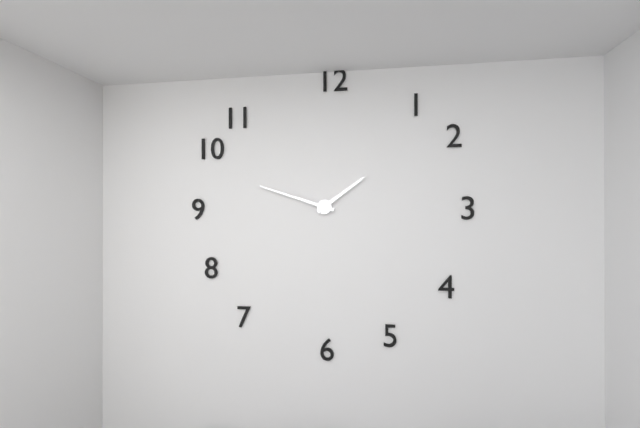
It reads 1.48
